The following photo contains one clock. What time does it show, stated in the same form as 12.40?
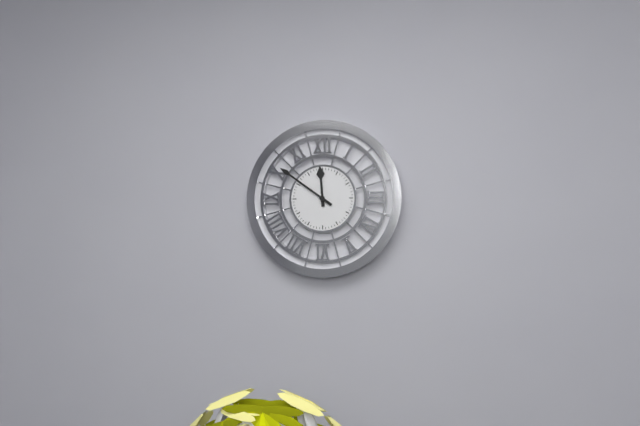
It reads 11.51
